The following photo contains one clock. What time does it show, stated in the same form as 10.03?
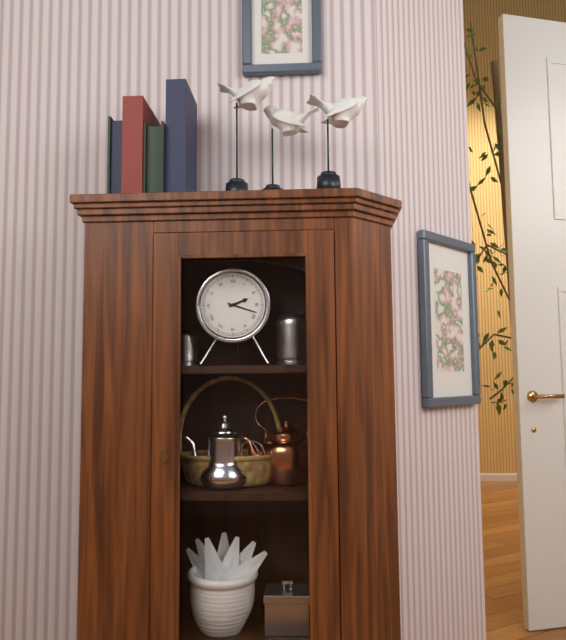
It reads 2.18
